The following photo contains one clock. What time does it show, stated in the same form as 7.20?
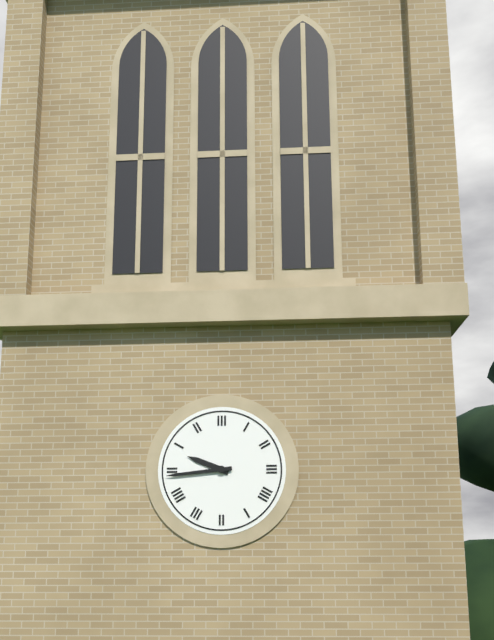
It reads 9.44
